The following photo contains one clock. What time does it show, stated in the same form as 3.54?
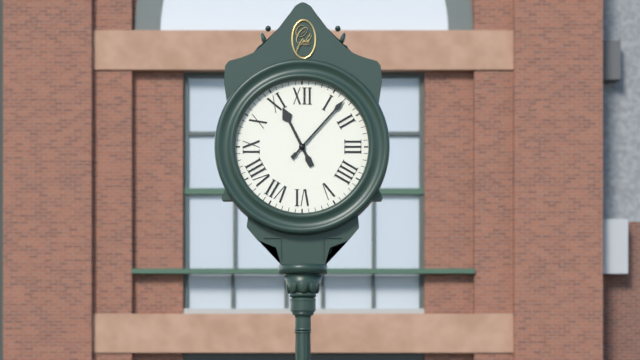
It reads 11.07
